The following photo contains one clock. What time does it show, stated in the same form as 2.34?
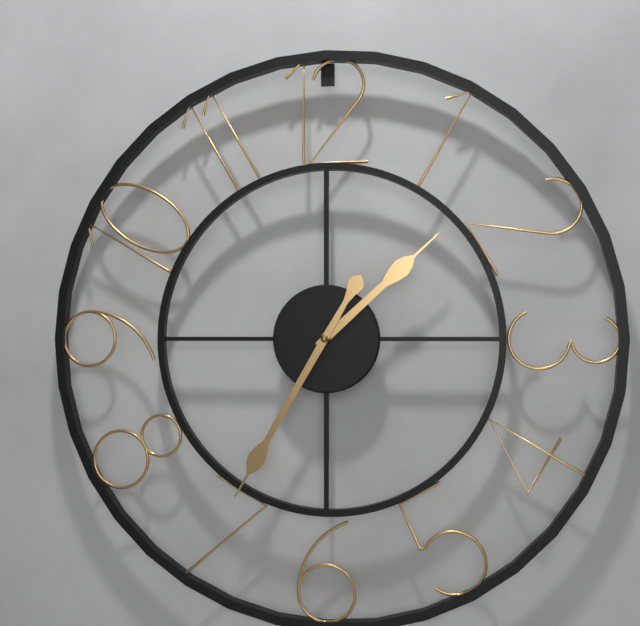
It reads 1.35
